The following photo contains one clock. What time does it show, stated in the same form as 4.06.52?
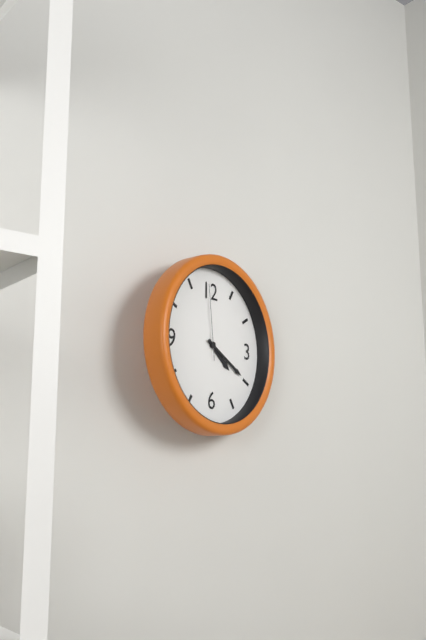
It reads 4.20.59
